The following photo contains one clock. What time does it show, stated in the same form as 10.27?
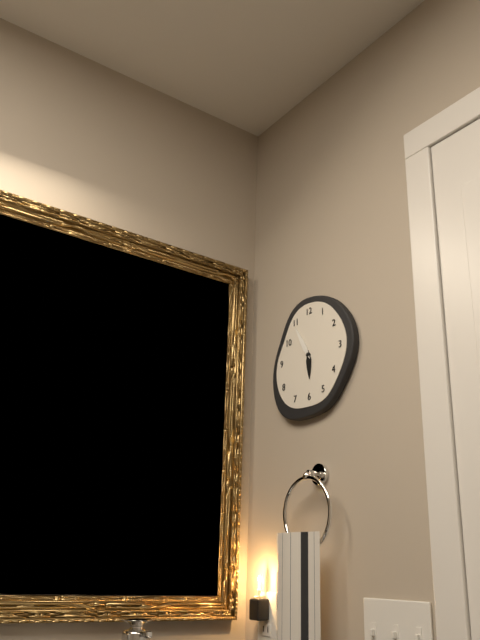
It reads 5.55
